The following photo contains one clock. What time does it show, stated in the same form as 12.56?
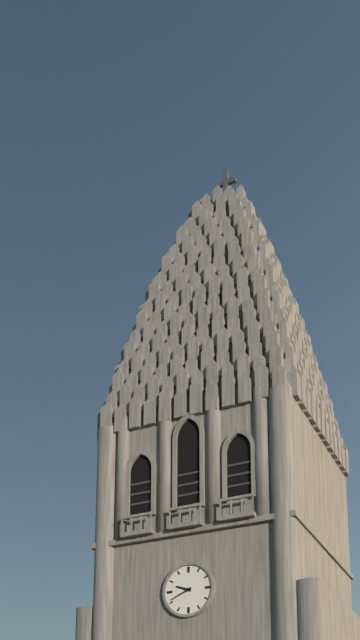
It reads 9.41
